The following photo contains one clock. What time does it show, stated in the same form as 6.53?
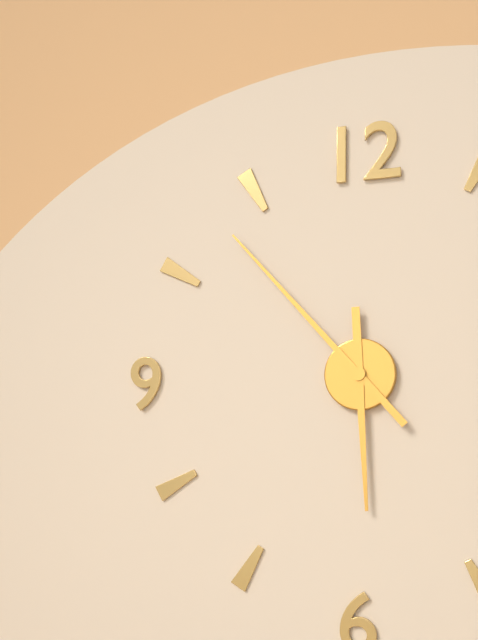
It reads 5.53
